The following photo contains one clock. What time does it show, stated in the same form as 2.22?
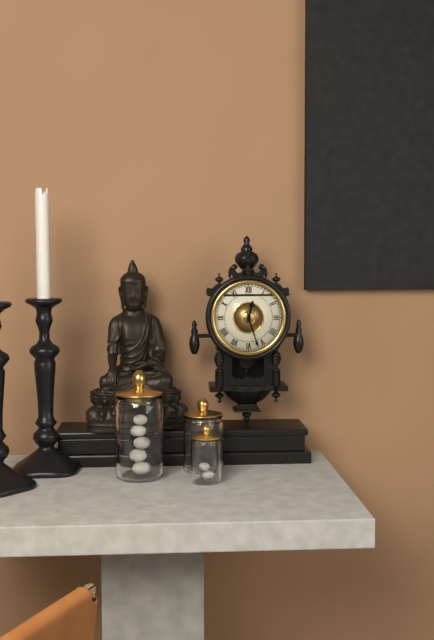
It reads 12.27
